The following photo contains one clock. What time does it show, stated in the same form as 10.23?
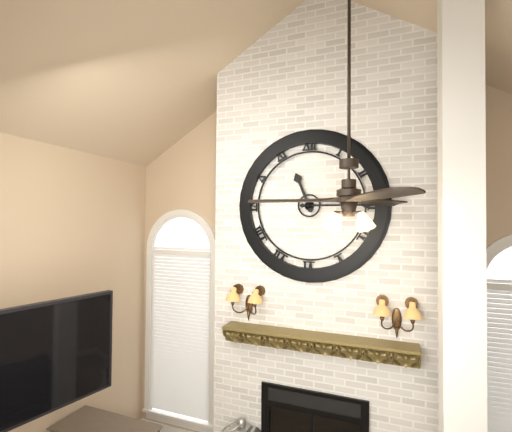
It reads 11.15
